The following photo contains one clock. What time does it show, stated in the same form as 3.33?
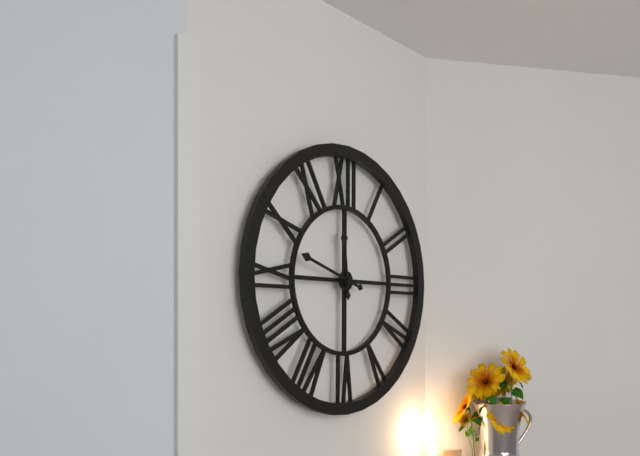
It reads 11.48
